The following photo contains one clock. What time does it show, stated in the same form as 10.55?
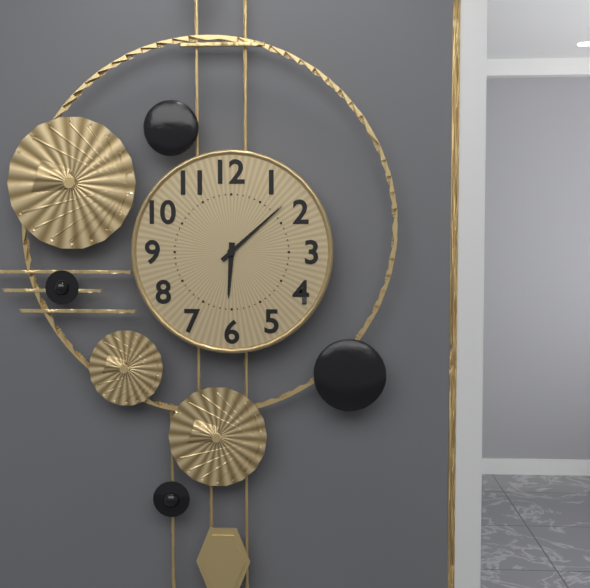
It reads 6.08
